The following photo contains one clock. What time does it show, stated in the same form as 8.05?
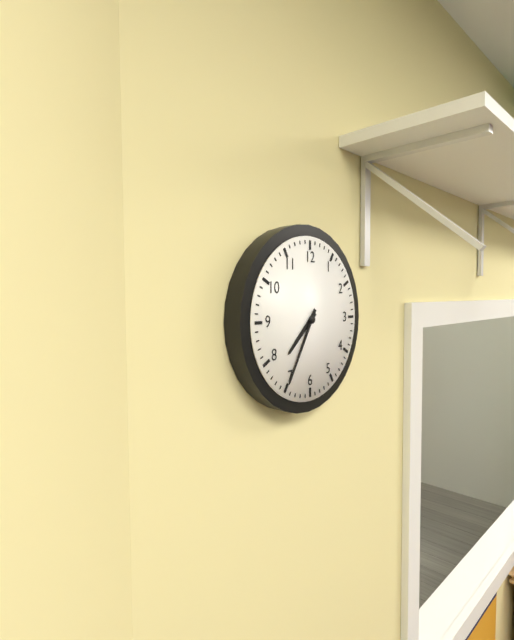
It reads 7.35
